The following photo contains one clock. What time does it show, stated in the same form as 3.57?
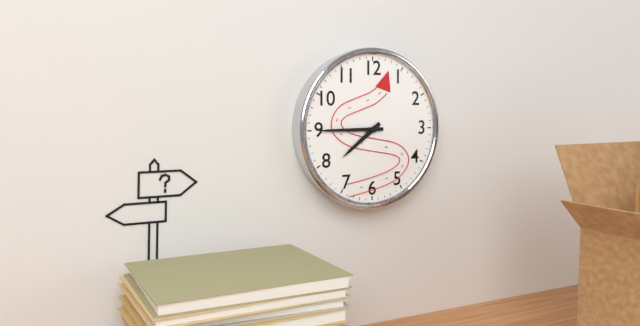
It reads 7.45
